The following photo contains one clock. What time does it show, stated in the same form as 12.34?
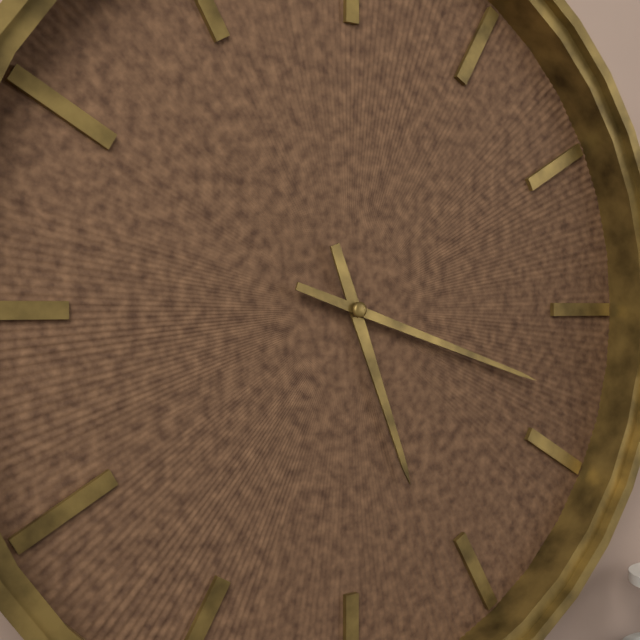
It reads 5.18
